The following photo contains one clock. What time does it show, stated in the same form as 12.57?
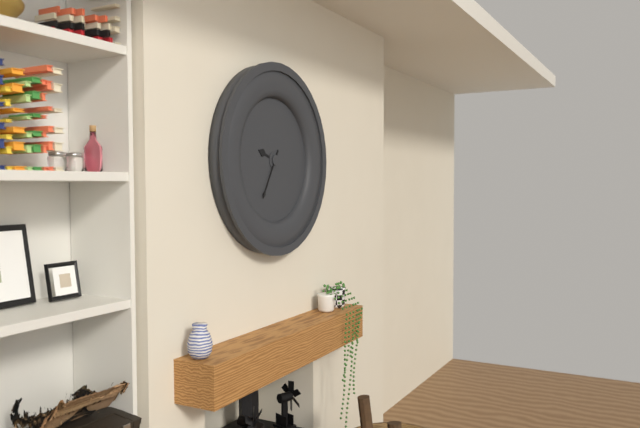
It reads 9.35
